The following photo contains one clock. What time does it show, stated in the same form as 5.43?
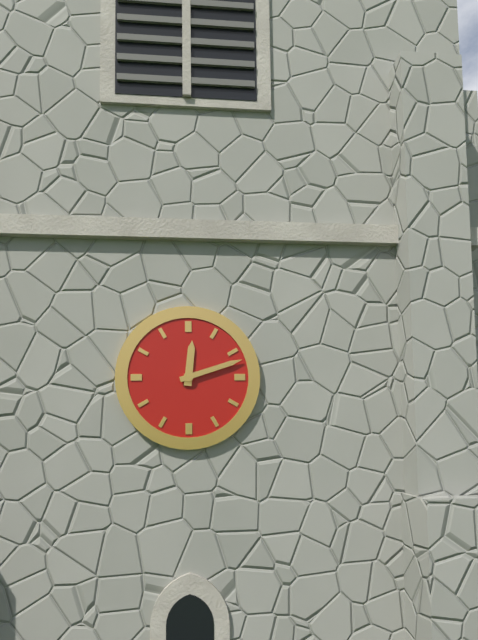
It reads 12.12
